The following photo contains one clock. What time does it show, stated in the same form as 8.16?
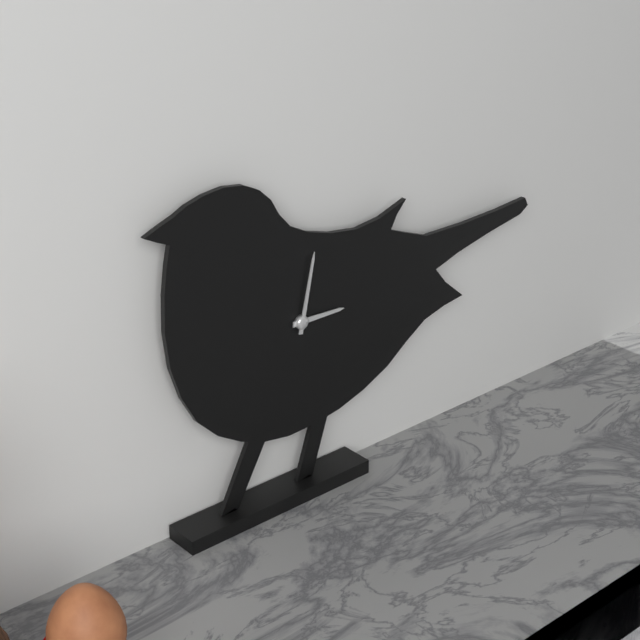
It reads 3.02
